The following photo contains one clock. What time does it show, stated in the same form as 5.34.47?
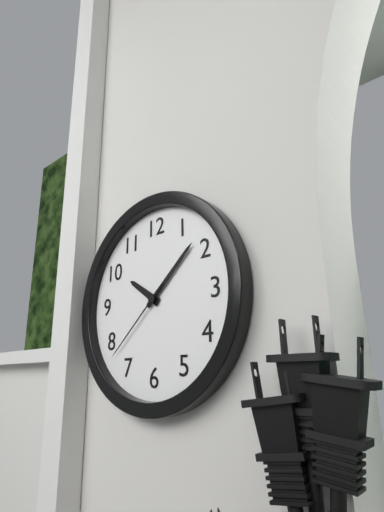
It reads 10.08.38
